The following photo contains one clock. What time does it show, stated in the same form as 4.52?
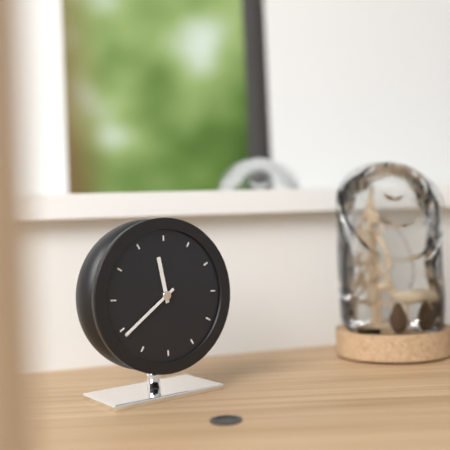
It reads 11.39
